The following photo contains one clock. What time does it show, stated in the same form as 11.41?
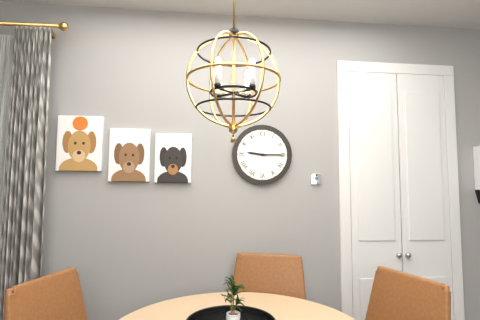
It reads 9.15
